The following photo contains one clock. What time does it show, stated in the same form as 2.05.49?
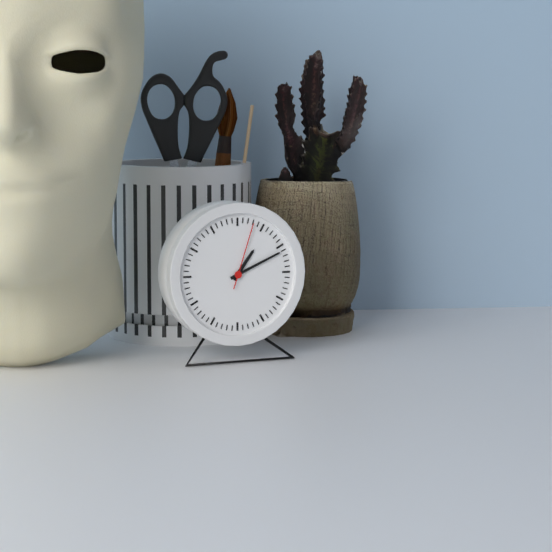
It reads 1.11.03
